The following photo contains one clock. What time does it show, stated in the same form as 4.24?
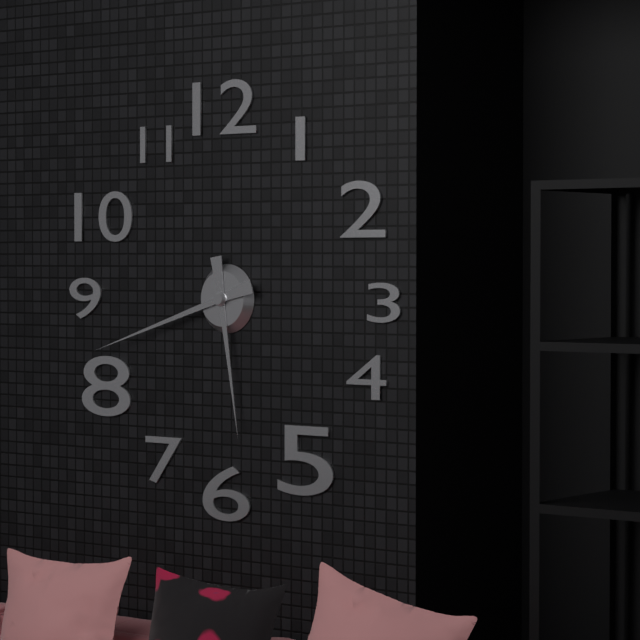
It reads 5.42
